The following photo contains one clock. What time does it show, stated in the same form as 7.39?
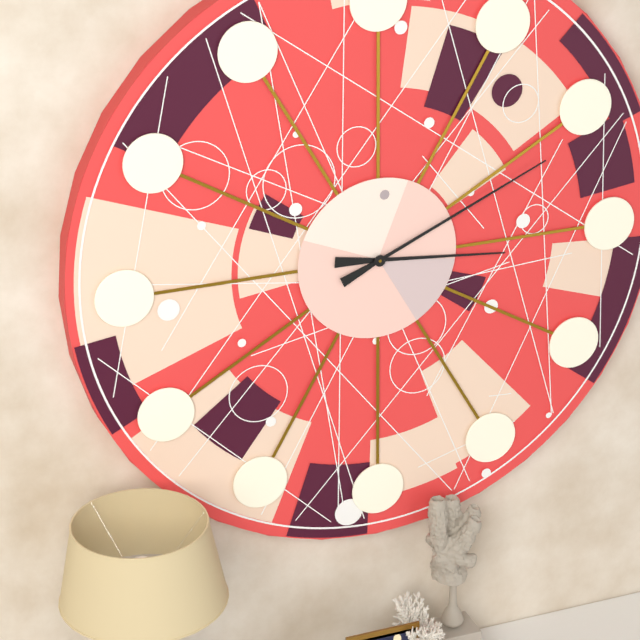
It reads 3.11
